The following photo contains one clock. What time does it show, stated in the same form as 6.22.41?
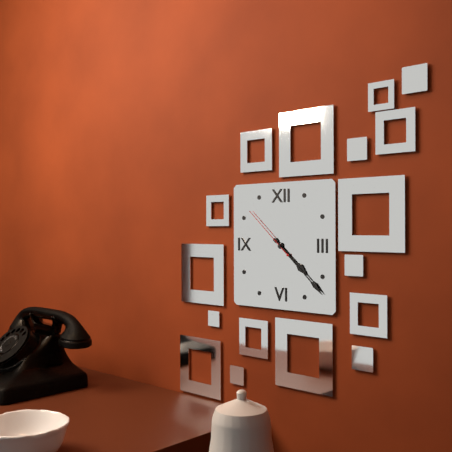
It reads 4.22.52
